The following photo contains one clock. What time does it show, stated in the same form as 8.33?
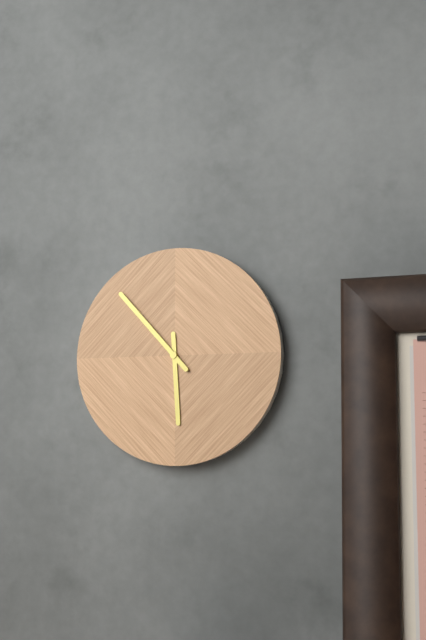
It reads 5.53
